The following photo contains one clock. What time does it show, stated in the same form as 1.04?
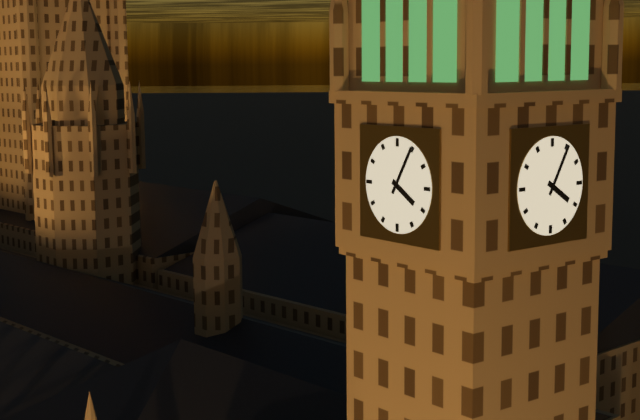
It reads 4.05
